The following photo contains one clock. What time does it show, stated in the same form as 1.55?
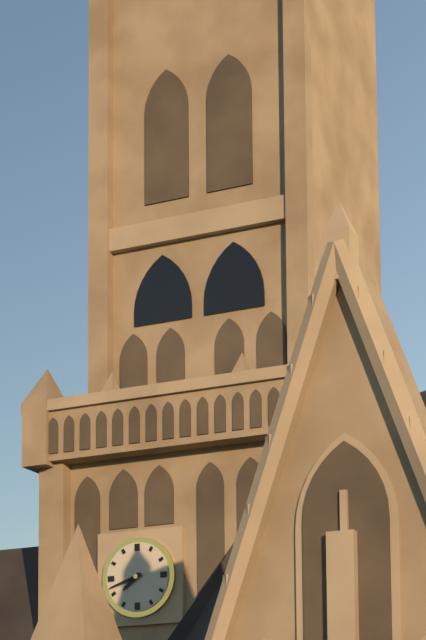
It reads 7.42
